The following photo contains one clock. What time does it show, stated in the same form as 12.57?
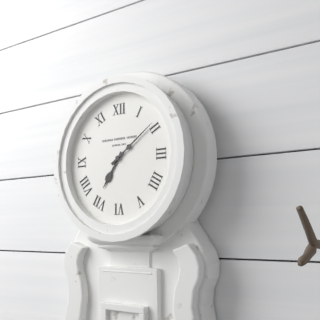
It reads 7.09
